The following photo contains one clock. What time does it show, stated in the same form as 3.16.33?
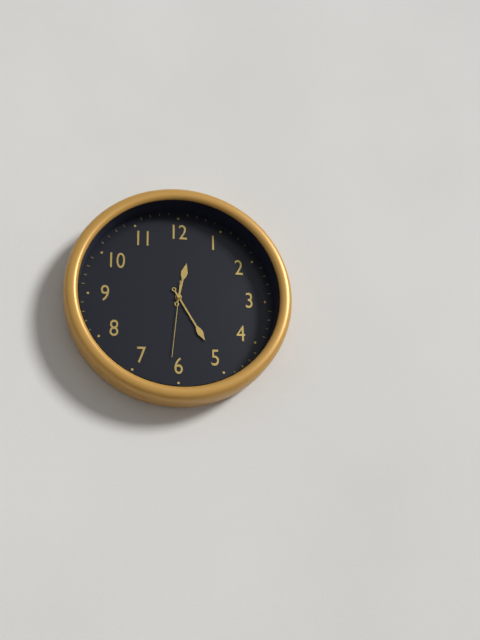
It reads 12.25.31
